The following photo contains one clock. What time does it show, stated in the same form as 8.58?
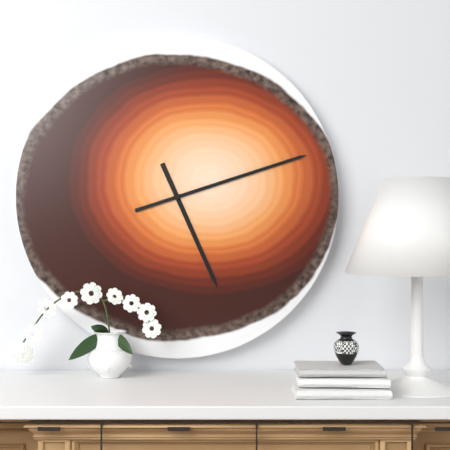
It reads 5.12
